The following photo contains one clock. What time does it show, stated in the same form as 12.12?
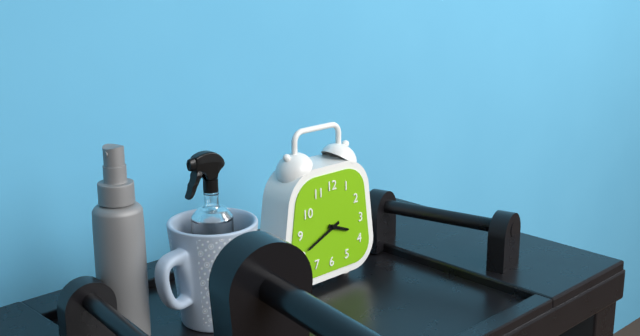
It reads 3.41
